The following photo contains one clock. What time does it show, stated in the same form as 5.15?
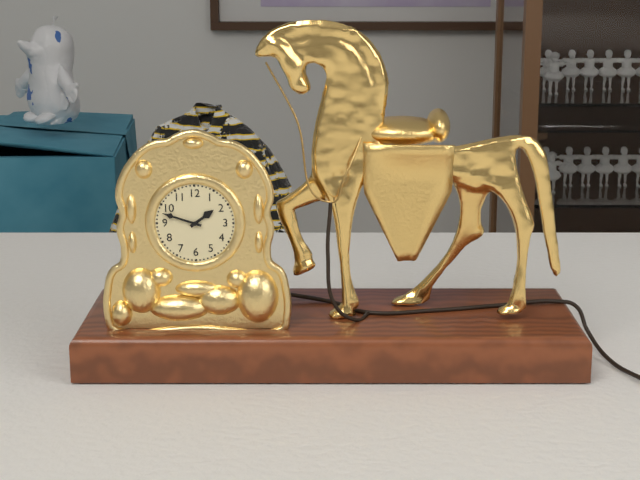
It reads 1.48
